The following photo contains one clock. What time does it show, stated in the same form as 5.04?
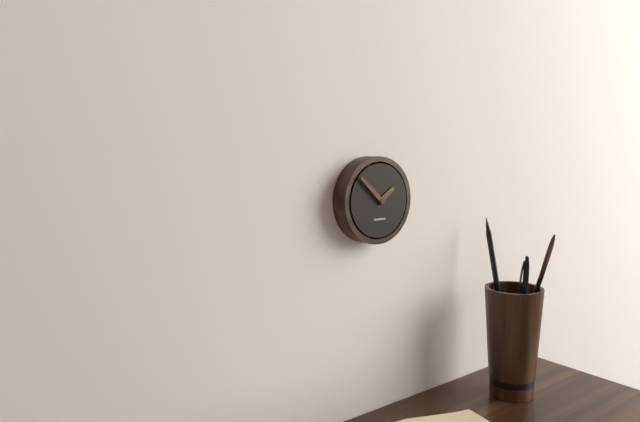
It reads 1.52
